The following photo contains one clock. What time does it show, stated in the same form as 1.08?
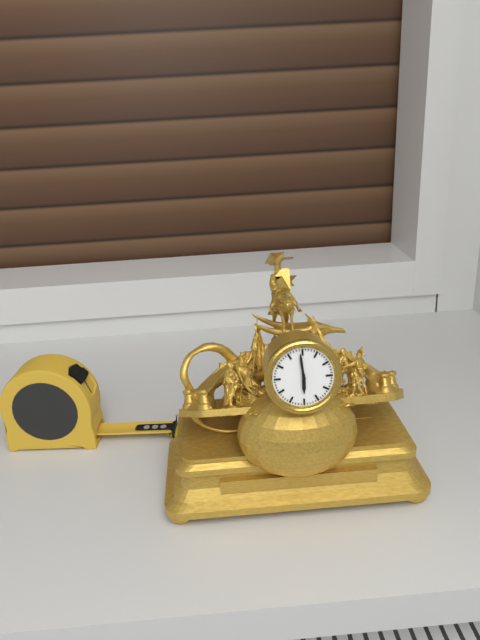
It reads 5.59
